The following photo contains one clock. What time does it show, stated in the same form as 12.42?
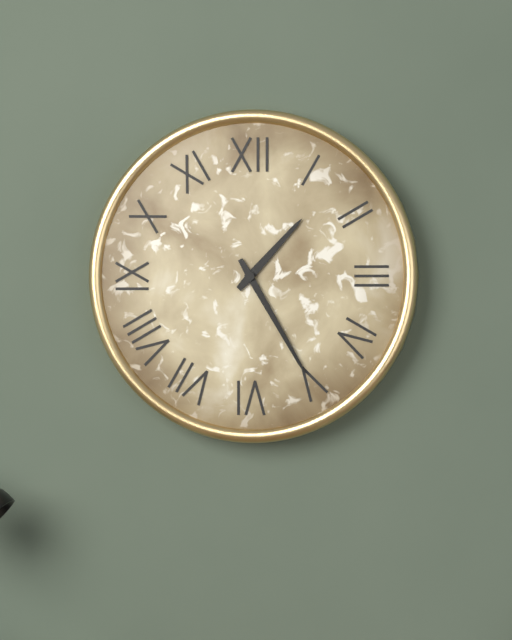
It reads 1.25
